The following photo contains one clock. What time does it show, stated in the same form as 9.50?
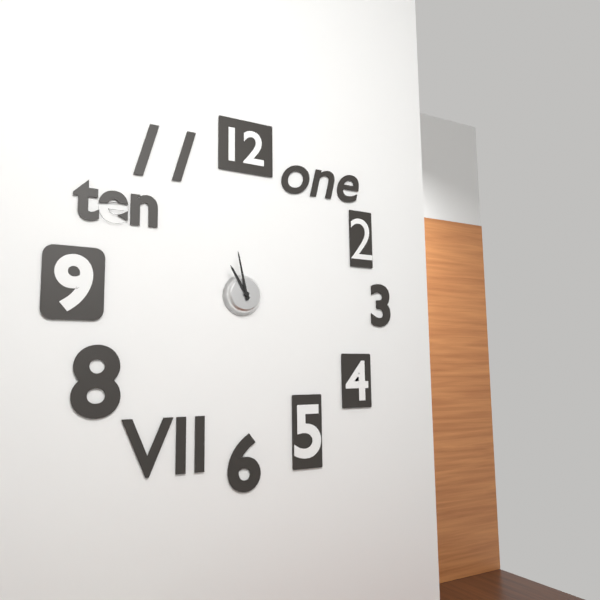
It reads 10.58
